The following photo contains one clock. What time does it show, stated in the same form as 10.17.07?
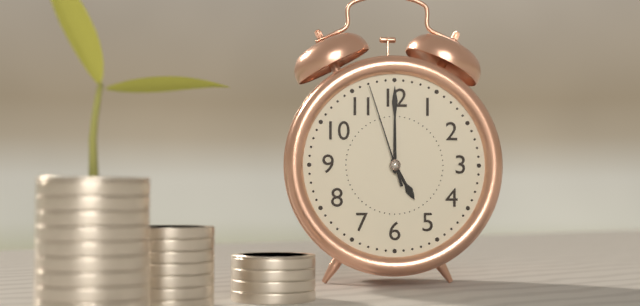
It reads 5.00.57
